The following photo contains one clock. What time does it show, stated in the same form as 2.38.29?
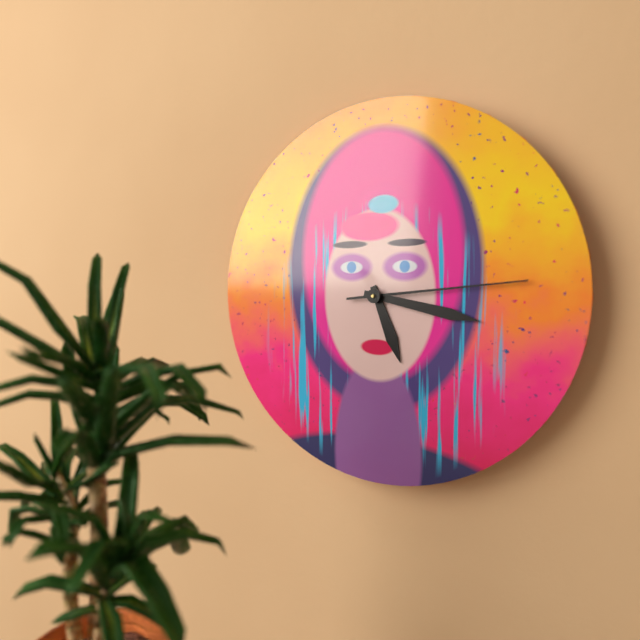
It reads 5.17.14
